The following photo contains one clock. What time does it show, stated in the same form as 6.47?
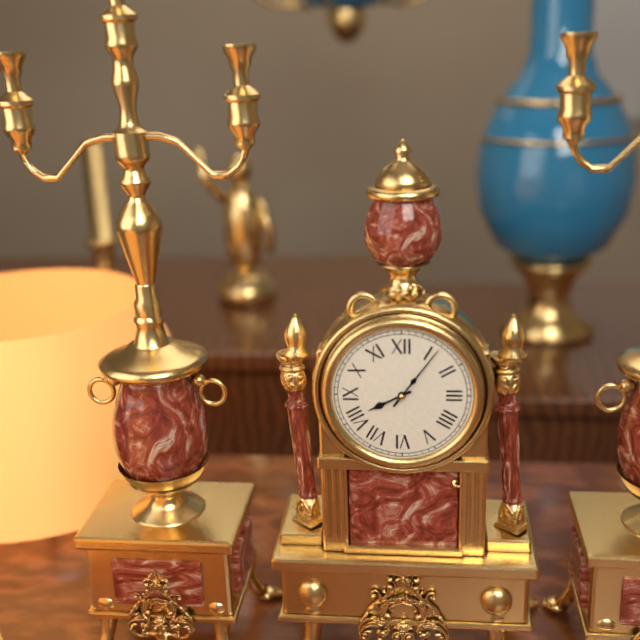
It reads 8.06
